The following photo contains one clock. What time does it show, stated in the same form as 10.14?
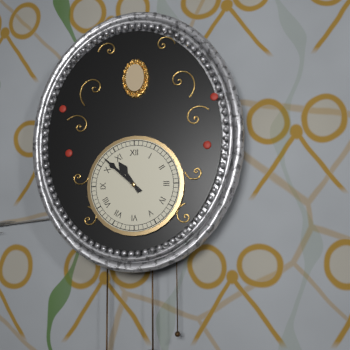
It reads 10.52
